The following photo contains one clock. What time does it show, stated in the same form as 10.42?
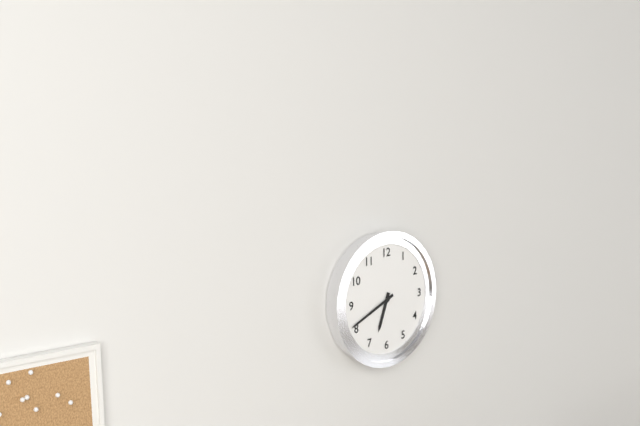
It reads 6.41
